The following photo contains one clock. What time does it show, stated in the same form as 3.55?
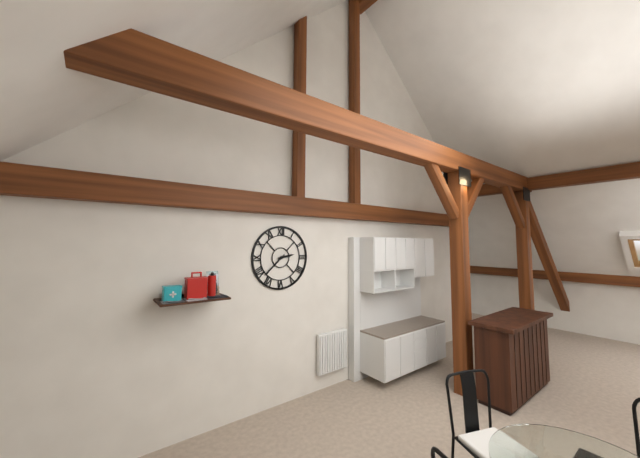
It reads 2.38
